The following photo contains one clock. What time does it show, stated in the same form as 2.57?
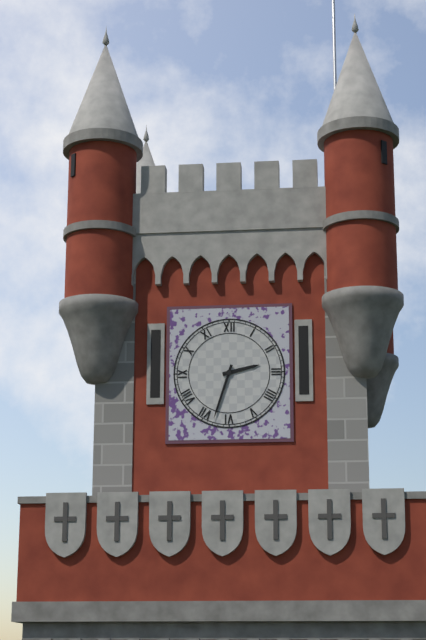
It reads 2.33
